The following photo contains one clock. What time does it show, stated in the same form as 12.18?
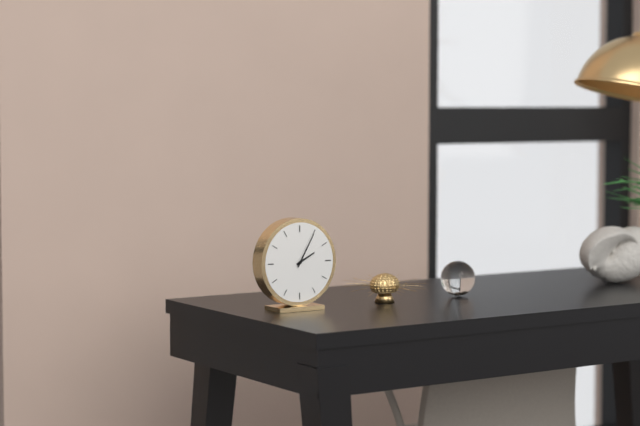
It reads 2.05
